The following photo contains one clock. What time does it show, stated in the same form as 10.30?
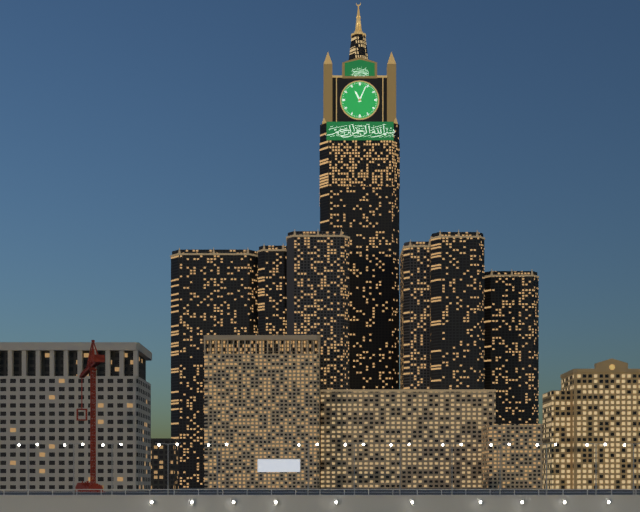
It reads 11.04
